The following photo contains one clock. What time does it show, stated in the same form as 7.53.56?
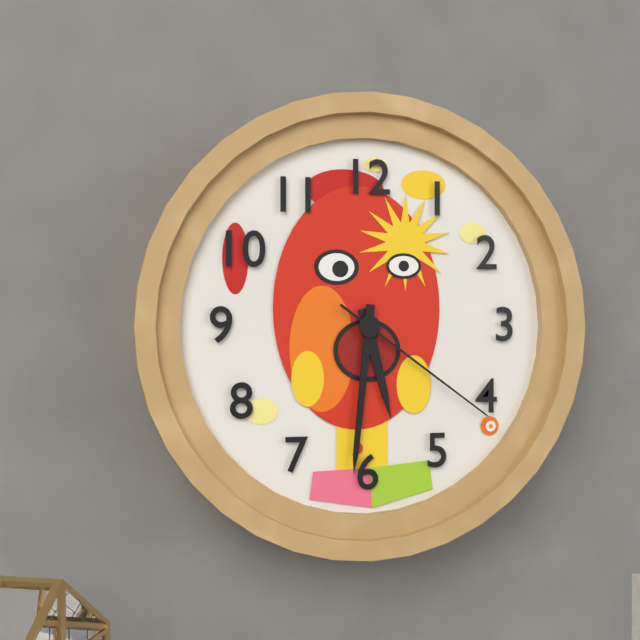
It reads 5.31.21
